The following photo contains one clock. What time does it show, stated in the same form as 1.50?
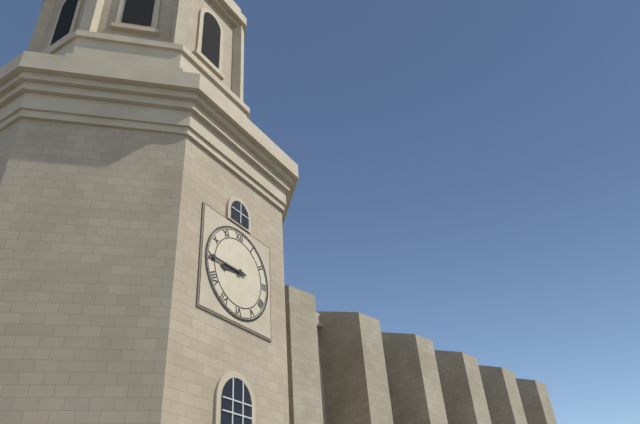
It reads 8.45
